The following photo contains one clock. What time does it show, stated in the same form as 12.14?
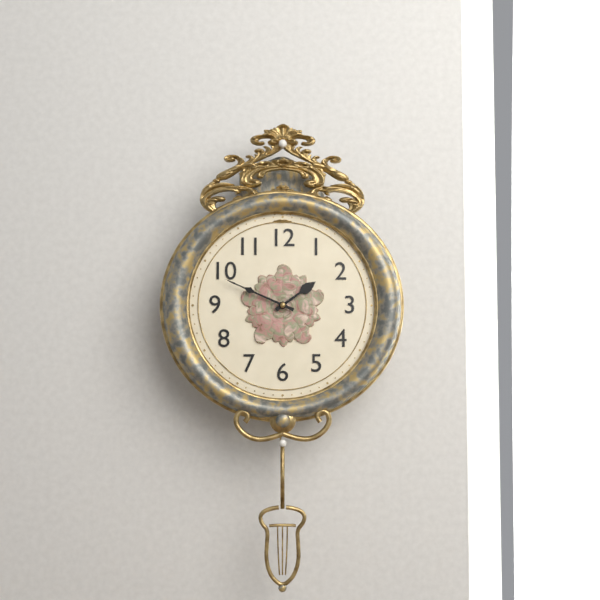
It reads 1.49
